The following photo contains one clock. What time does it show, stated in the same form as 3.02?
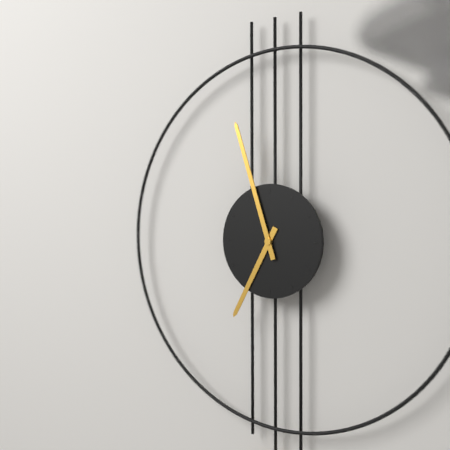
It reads 6.57
